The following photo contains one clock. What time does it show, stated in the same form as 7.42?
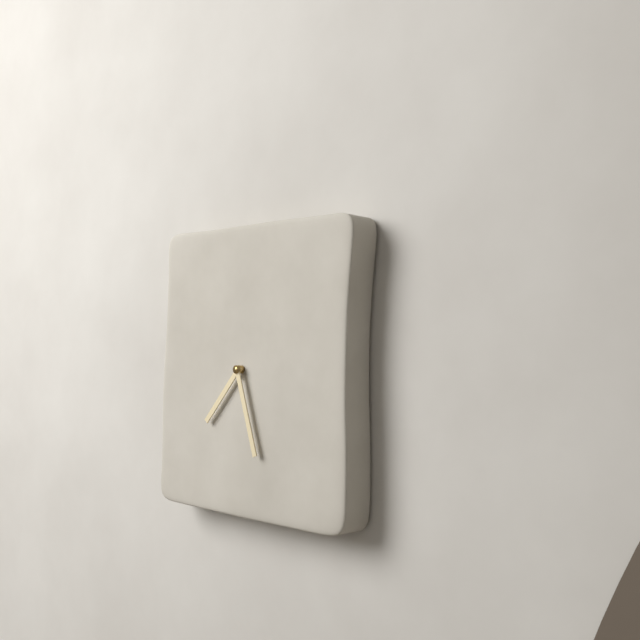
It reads 7.27
